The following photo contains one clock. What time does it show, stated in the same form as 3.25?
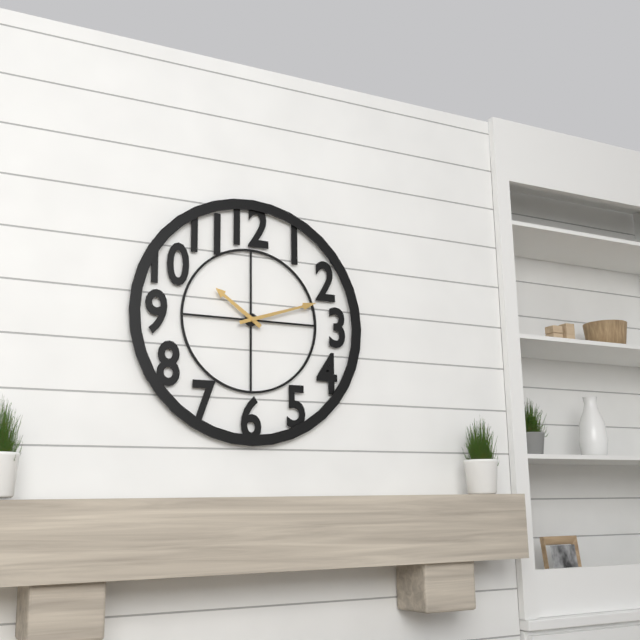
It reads 10.12
